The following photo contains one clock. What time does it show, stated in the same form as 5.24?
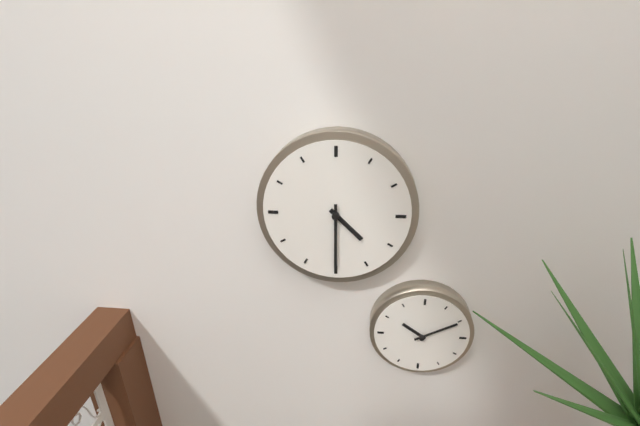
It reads 4.30
